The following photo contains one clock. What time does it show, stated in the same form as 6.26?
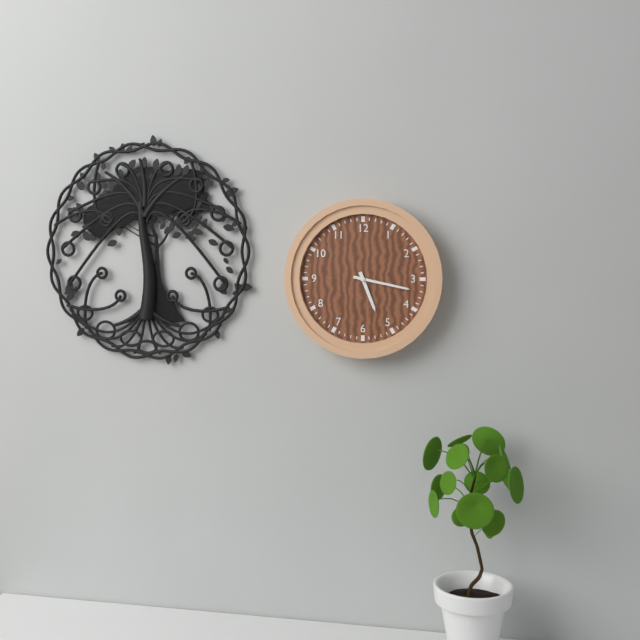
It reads 5.17
